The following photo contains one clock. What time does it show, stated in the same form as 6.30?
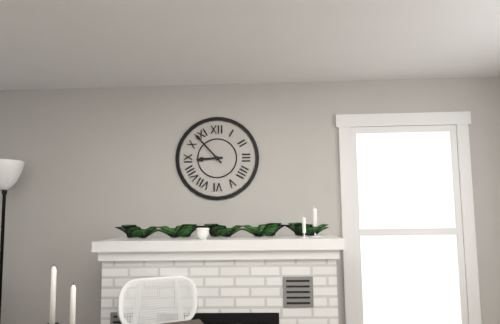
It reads 8.53
